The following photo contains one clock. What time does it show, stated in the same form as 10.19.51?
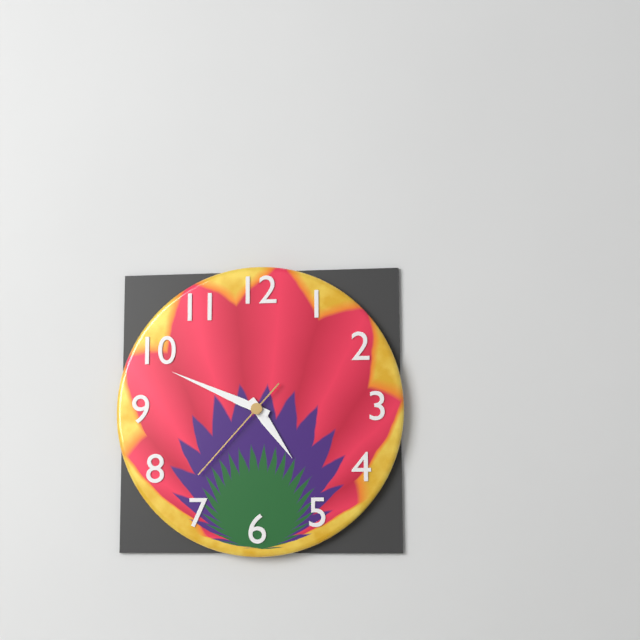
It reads 4.49.37
